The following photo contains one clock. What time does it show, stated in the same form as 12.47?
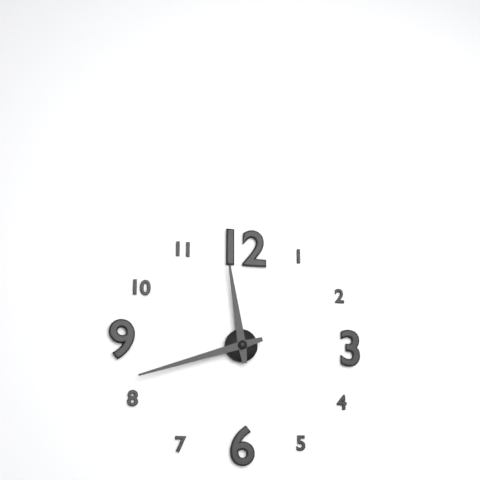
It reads 11.42
